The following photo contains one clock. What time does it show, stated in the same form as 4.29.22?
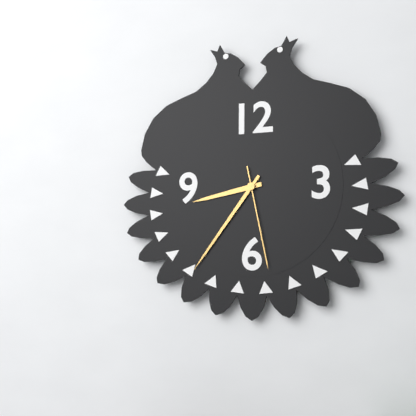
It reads 8.36.28
